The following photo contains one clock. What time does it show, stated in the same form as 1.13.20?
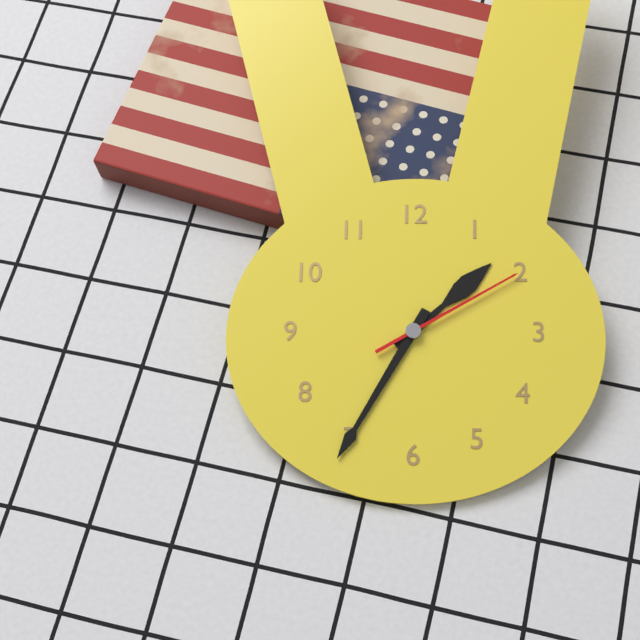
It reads 1.35.10
